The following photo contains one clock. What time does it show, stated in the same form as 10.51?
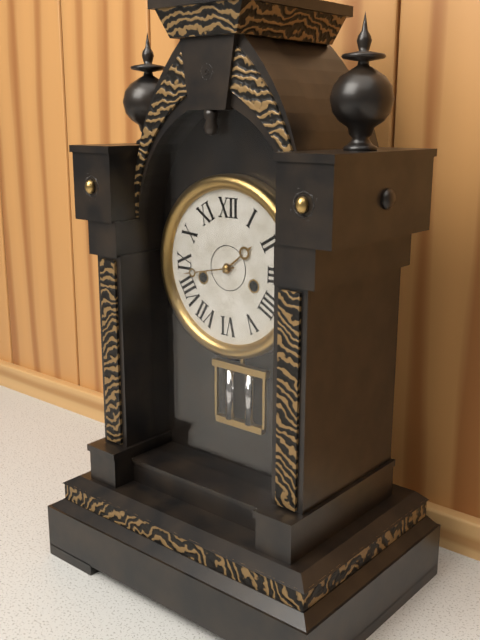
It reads 1.43
